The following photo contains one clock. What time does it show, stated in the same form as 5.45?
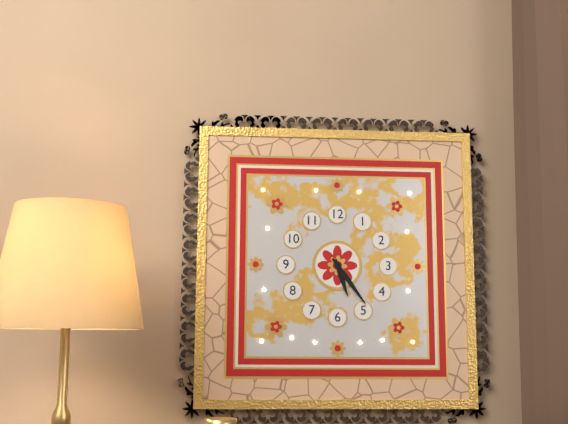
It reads 5.24
